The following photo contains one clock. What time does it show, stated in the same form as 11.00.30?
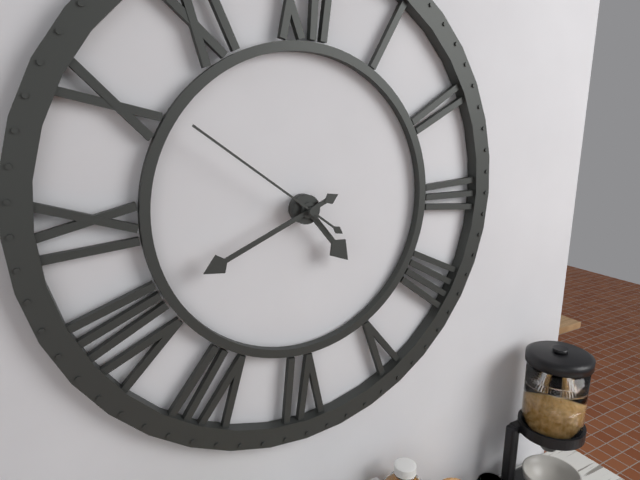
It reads 4.41.51
